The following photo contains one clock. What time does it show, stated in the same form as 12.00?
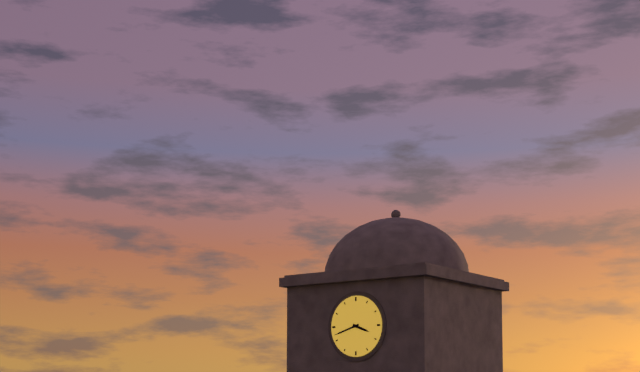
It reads 3.42
